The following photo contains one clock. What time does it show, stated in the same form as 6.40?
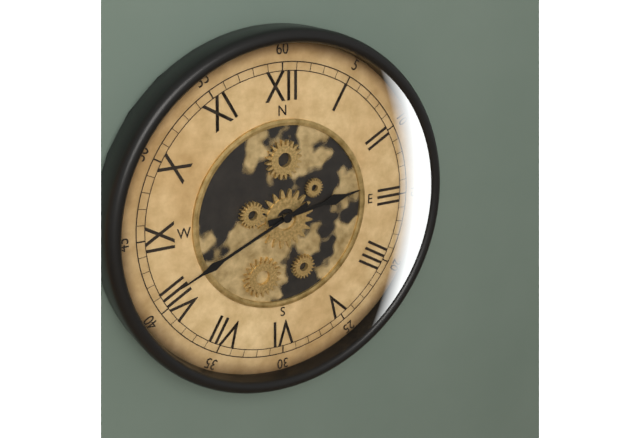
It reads 2.41
